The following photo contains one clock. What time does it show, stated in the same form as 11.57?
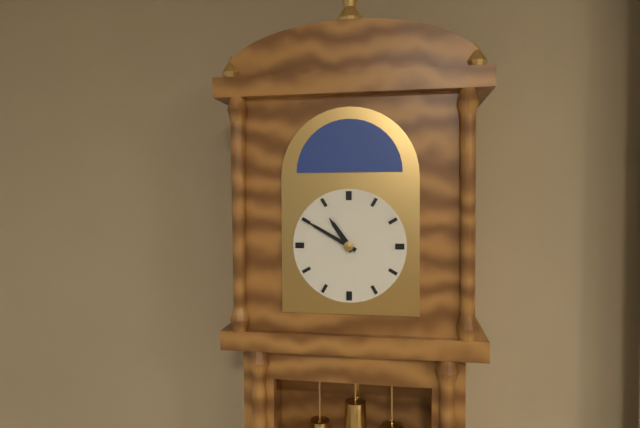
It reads 10.50
